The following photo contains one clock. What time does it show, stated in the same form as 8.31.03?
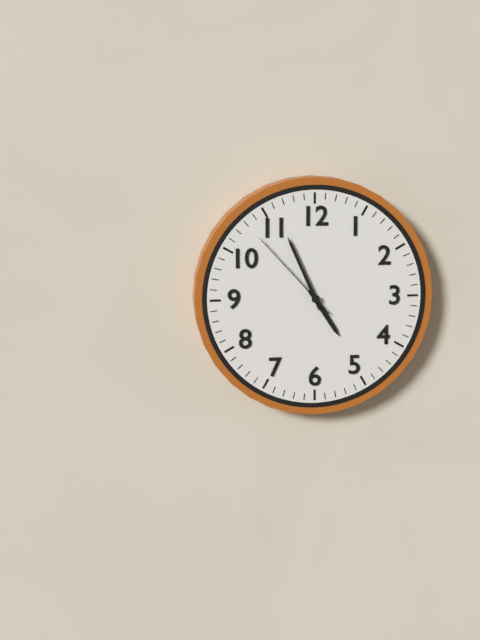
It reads 4.56.53
